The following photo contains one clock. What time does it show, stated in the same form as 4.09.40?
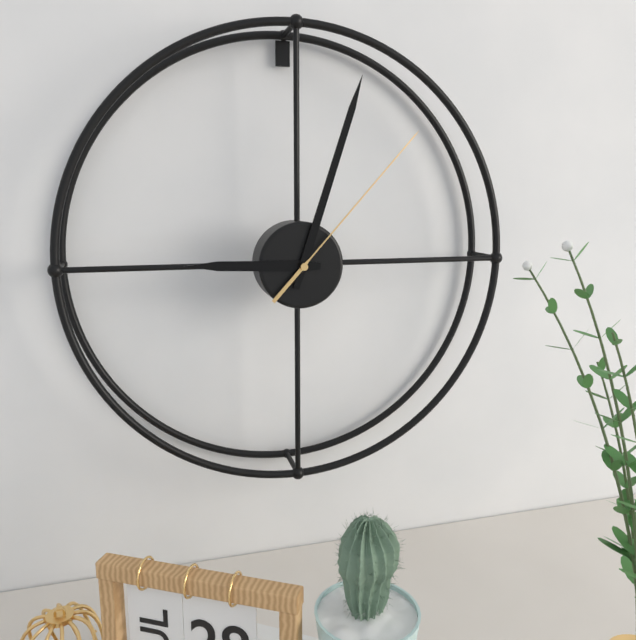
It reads 9.03.07
